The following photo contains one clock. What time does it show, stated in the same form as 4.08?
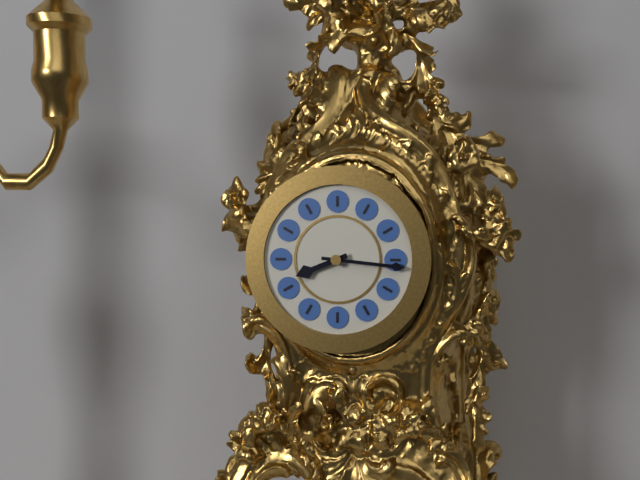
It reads 8.16
